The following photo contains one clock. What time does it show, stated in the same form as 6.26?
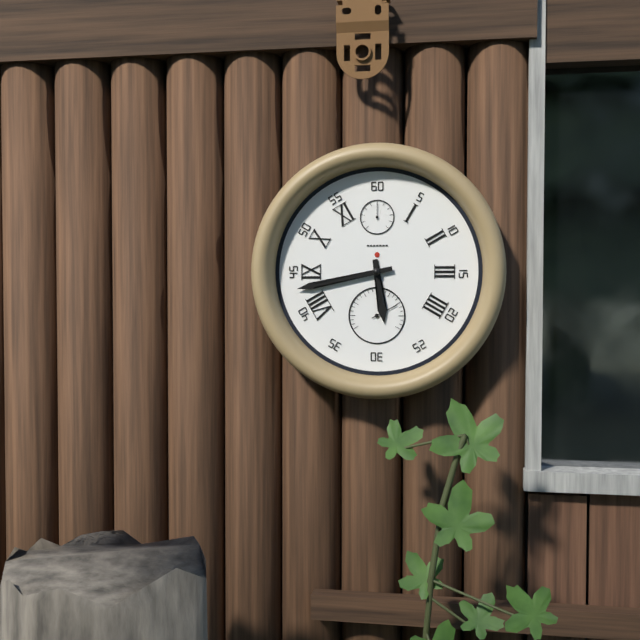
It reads 5.43
